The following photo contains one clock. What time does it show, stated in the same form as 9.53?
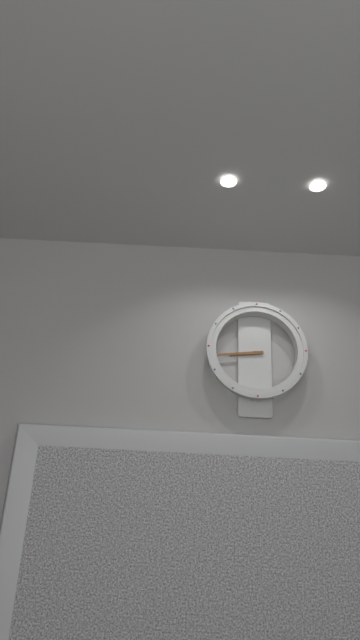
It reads 8.44
